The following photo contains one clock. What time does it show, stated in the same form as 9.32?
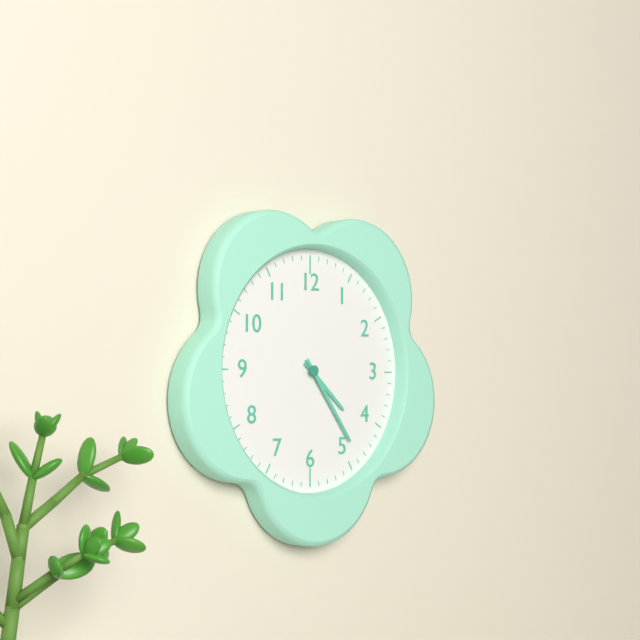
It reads 4.24
